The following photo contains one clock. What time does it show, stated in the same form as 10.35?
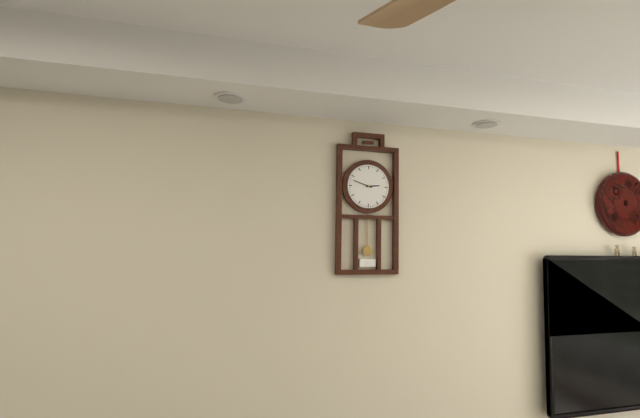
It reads 2.48
